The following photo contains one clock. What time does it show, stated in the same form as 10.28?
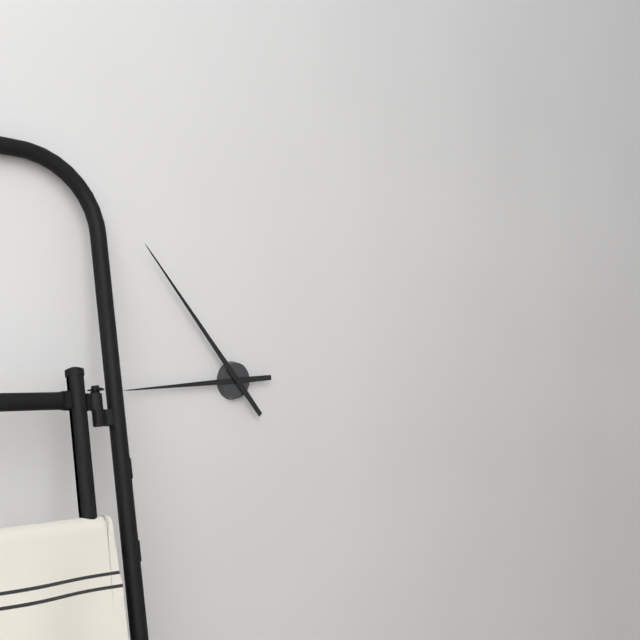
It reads 8.53
